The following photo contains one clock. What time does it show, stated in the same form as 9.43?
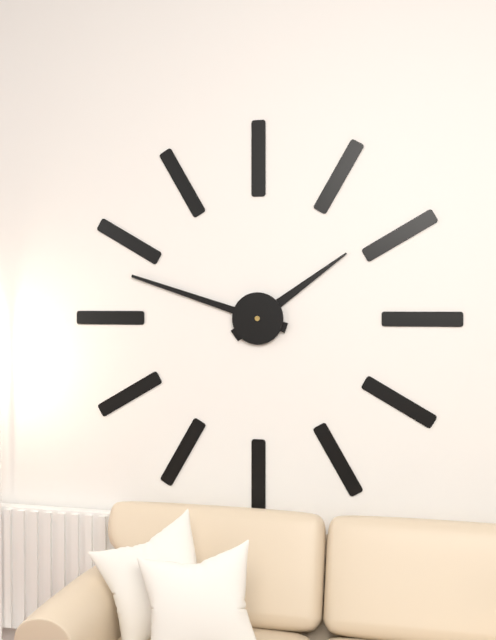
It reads 1.48
